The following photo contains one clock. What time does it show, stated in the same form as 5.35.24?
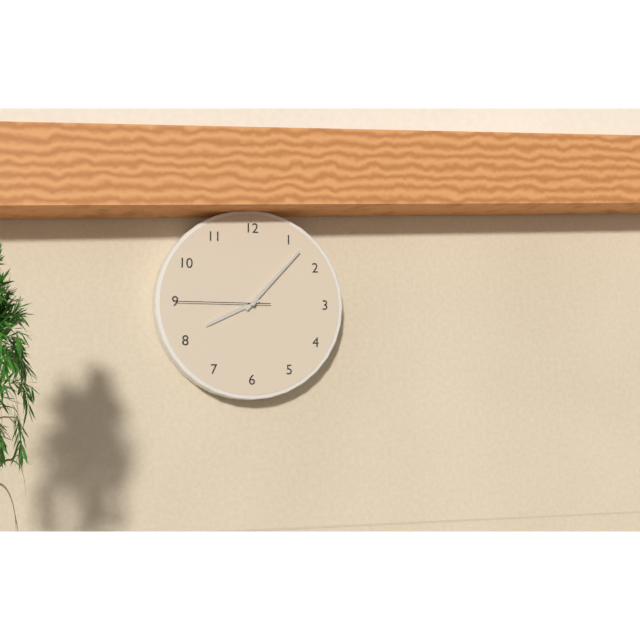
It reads 8.07.45
